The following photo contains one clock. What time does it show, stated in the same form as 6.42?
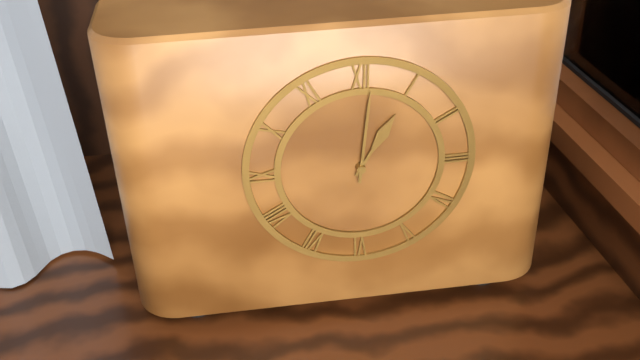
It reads 1.01
